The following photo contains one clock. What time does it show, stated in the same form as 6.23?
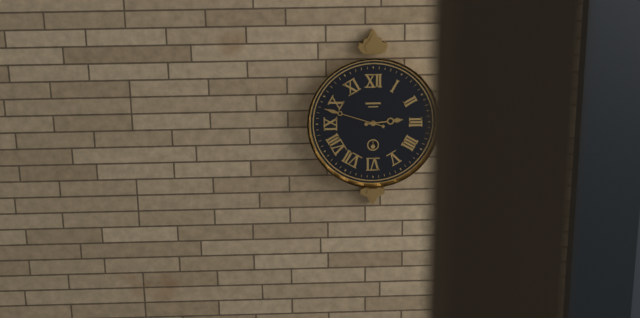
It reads 2.48
